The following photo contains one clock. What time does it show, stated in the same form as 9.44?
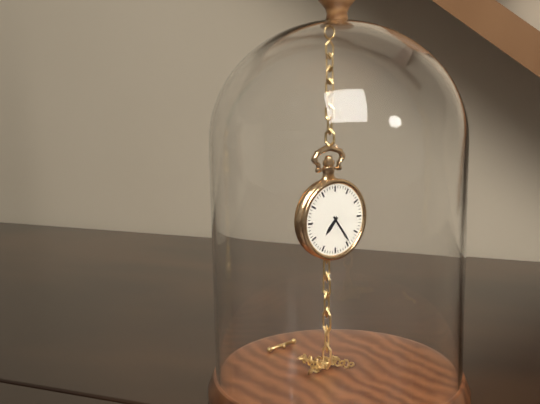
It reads 7.24
